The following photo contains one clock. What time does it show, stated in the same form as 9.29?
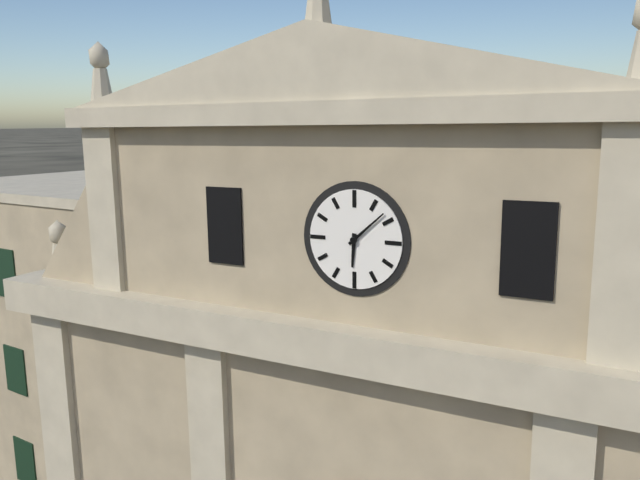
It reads 6.08
